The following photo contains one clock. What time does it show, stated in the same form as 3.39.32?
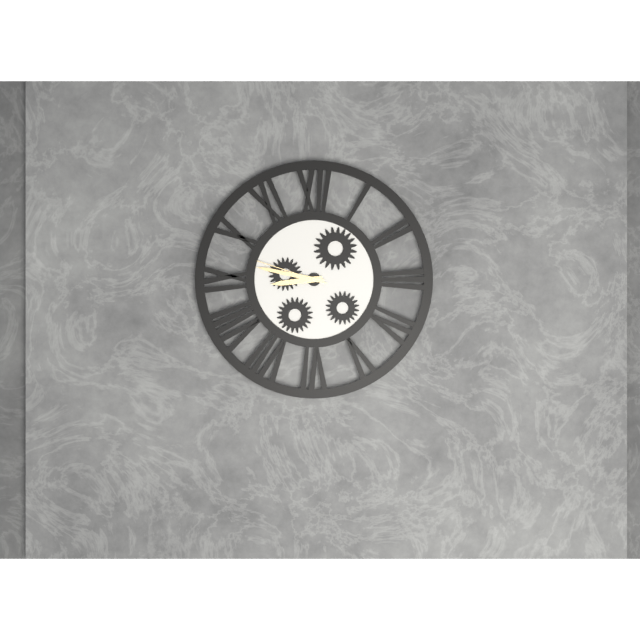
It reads 8.47.48
